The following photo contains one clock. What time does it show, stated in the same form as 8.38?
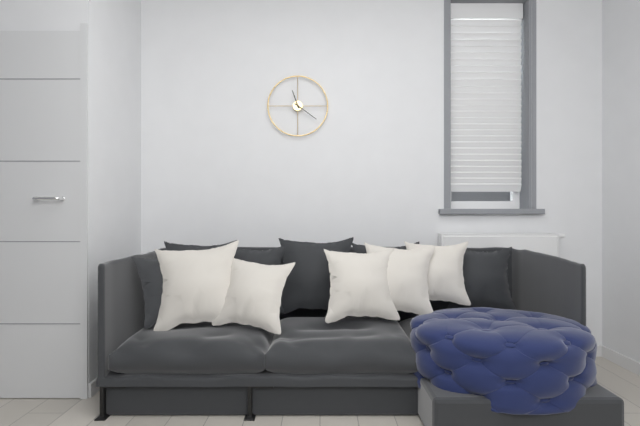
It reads 11.21
